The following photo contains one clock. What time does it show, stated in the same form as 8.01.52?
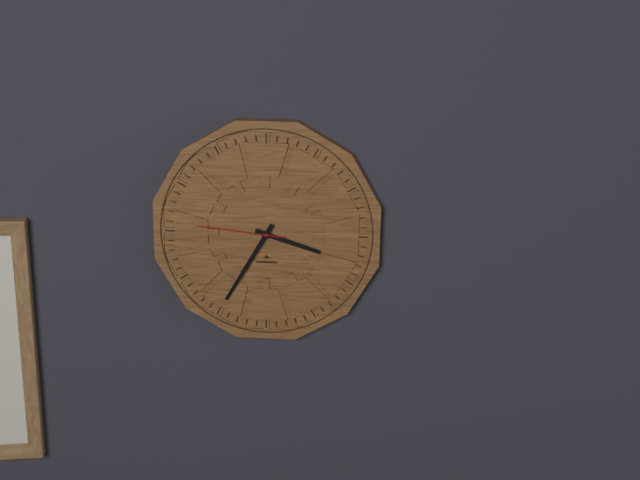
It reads 3.35.46
